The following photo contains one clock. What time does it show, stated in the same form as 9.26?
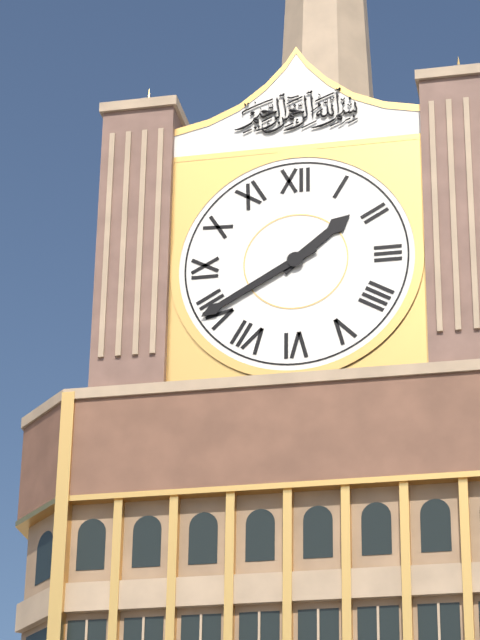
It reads 1.40
